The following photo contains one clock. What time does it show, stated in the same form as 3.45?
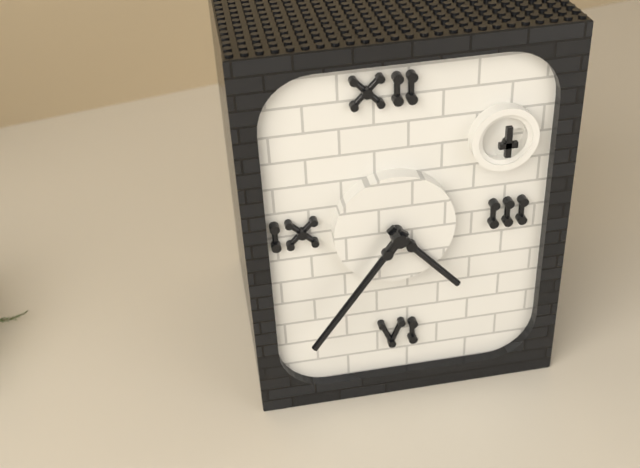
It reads 4.36
